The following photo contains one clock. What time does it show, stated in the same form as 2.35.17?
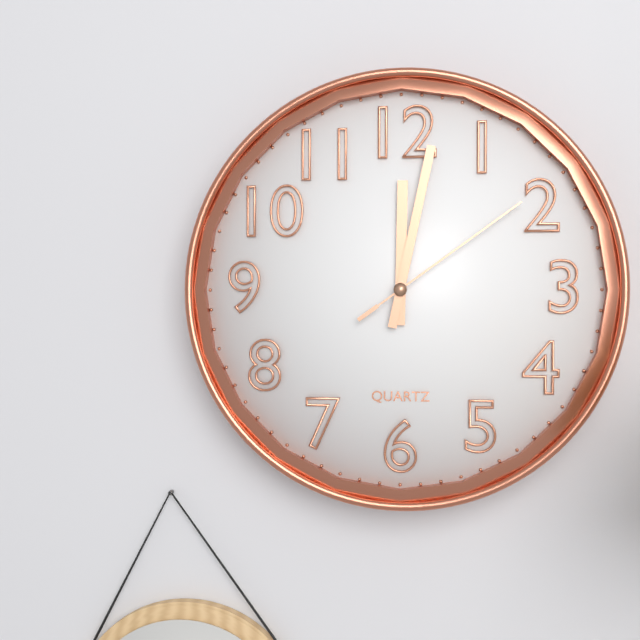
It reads 12.02.09
